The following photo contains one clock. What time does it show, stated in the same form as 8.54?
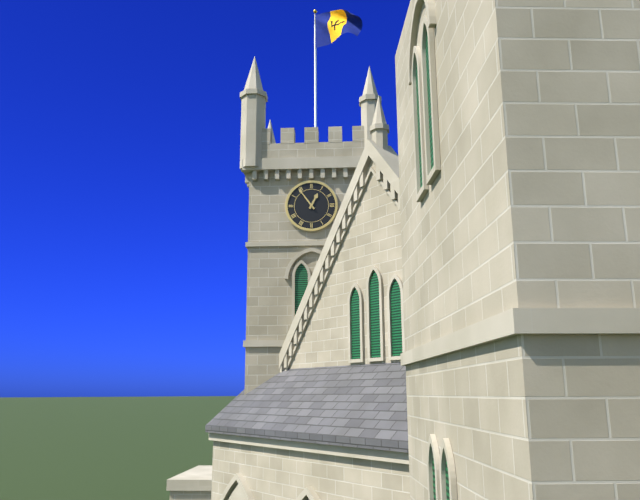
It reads 12.54
